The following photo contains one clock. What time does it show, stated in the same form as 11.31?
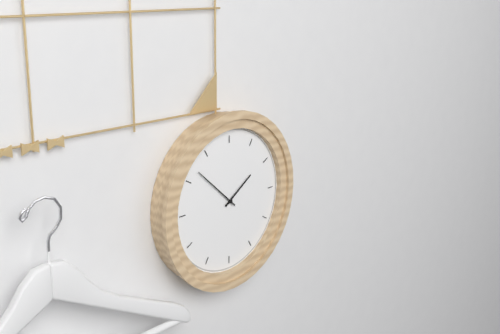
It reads 1.52
